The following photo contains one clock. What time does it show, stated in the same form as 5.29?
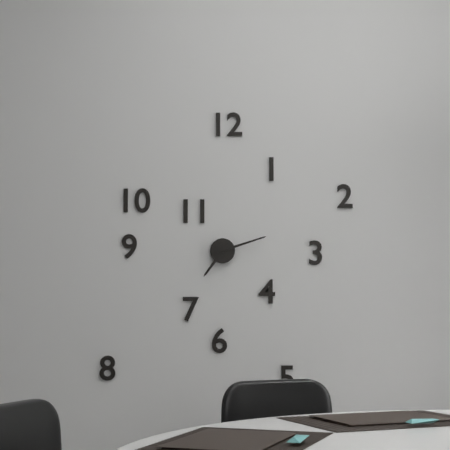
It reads 7.12
